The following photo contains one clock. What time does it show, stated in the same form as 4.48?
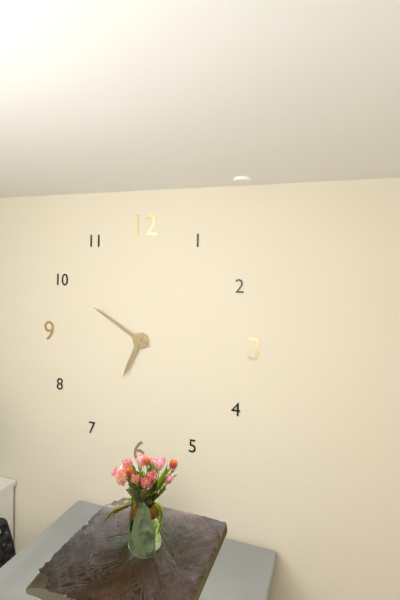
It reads 6.50
